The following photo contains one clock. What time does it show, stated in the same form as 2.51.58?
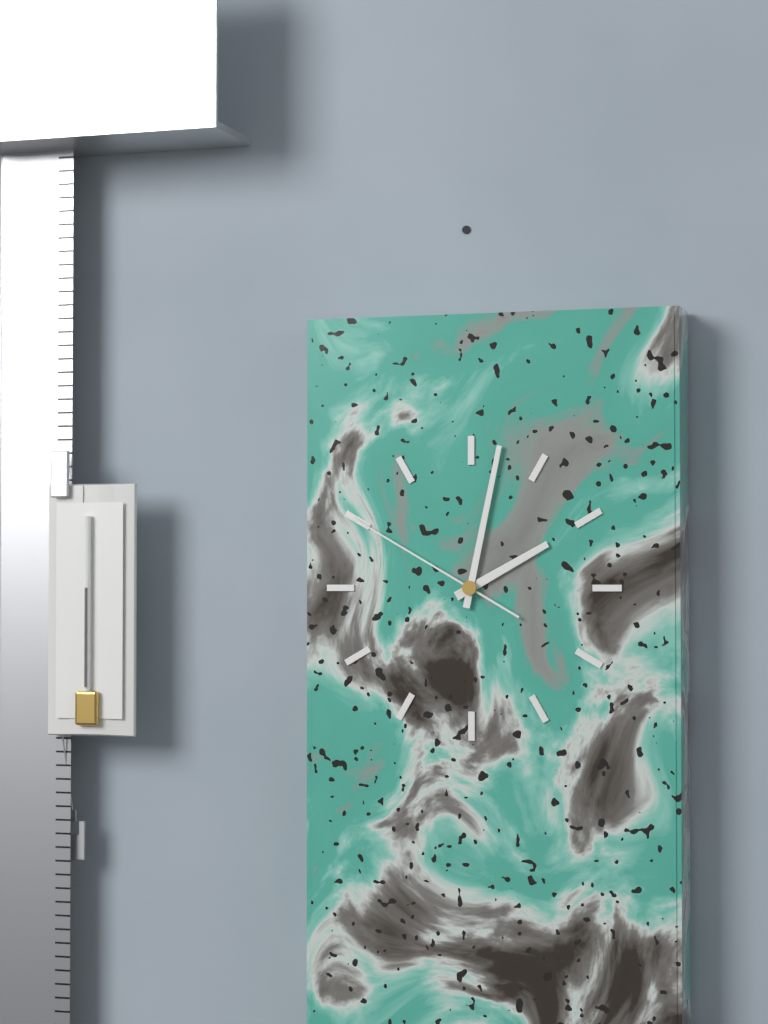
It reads 2.02.50
